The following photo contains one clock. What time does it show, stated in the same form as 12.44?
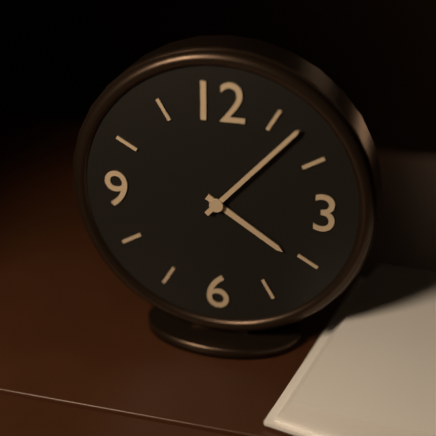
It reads 4.07
